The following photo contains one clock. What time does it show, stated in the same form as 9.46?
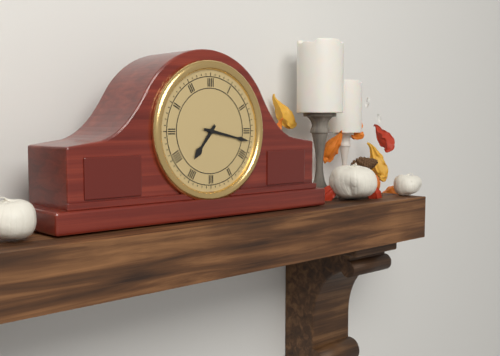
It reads 7.17
